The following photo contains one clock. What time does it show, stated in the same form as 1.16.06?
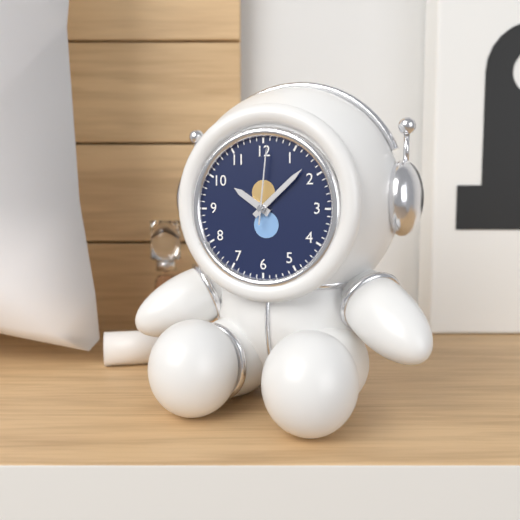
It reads 10.08.01
